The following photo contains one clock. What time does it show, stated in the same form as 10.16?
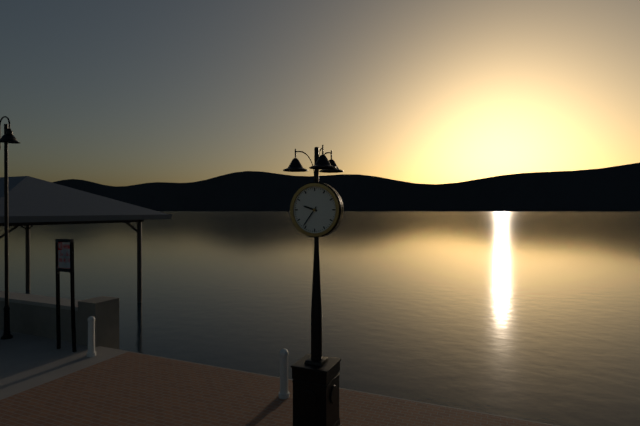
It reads 9.36
